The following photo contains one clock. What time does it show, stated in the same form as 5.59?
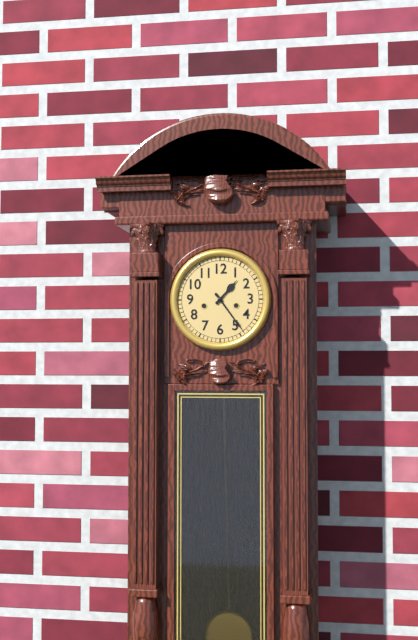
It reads 1.24
